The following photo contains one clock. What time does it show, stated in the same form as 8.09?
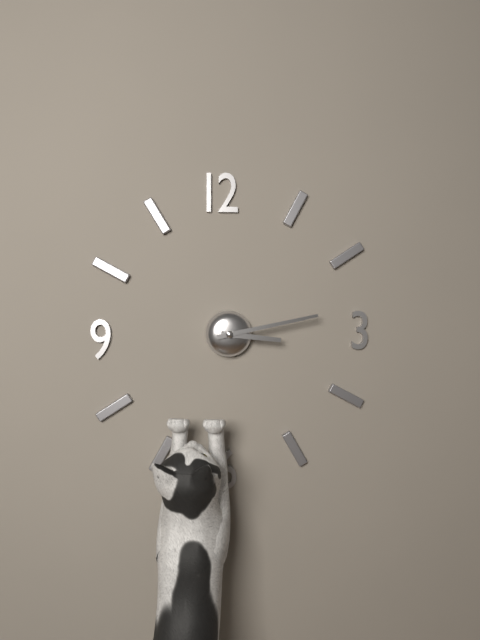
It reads 3.13
